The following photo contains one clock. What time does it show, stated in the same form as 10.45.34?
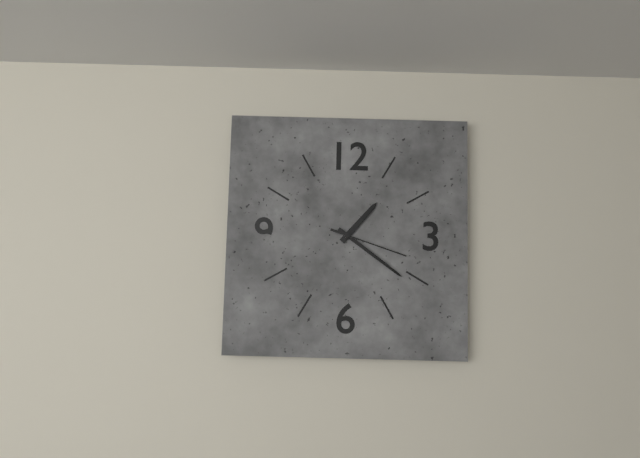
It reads 1.21.18
